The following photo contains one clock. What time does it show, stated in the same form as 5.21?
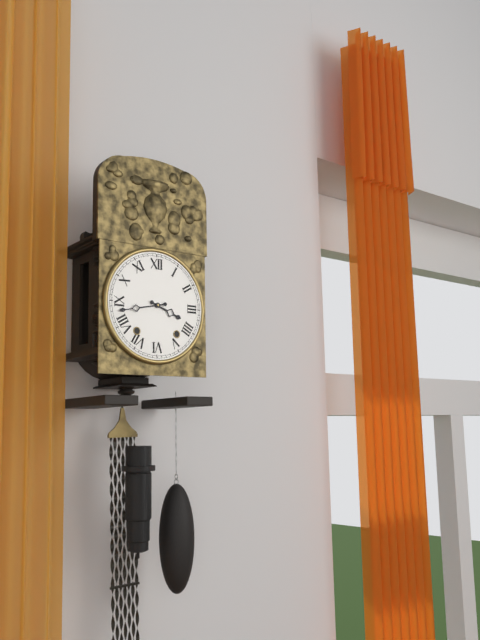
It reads 3.43
